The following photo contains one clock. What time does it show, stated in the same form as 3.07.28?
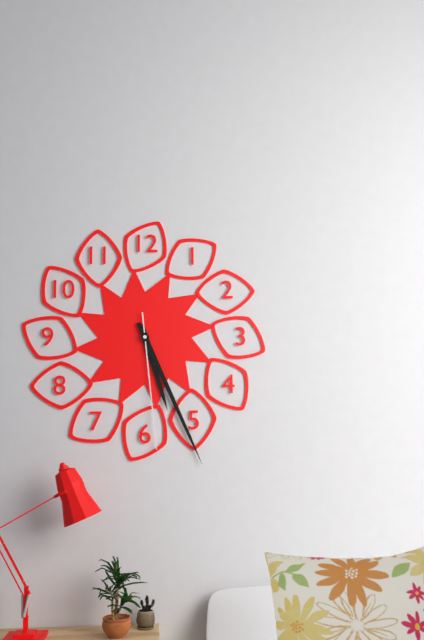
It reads 5.26.29
